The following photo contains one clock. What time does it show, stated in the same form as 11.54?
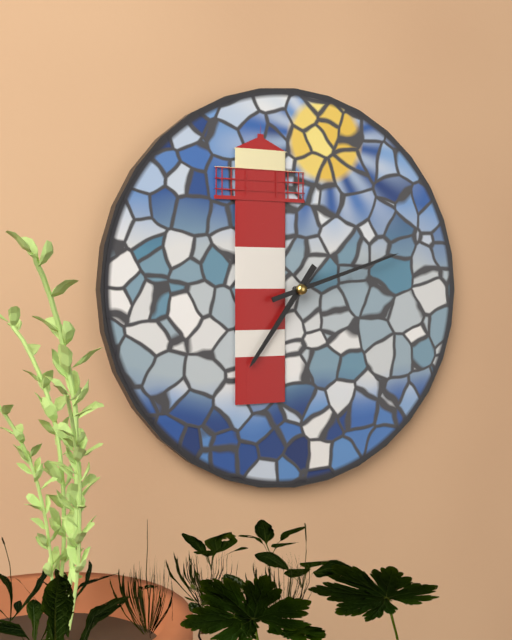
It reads 7.12
